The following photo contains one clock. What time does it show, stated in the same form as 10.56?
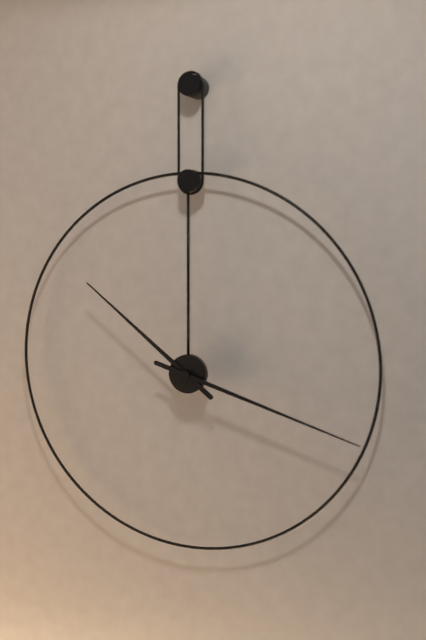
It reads 10.18
